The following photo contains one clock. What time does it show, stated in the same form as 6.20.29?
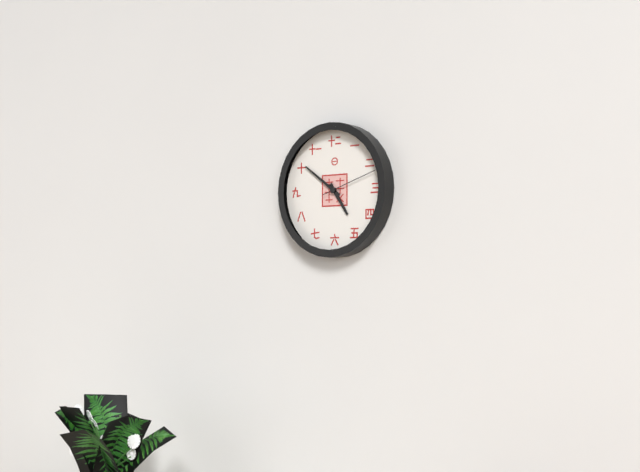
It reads 4.51.12
